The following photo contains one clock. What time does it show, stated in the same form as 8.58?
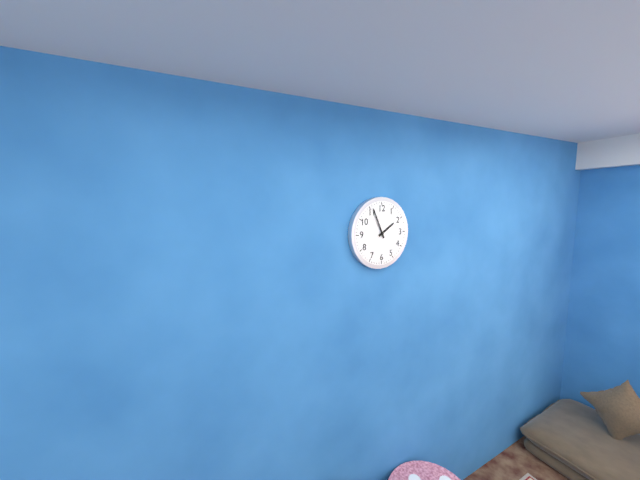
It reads 1.56
